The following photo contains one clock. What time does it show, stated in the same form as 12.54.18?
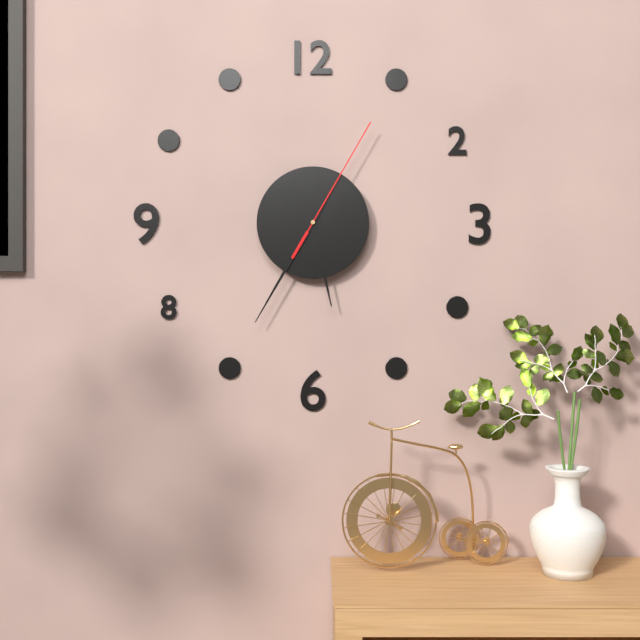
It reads 5.35.05
